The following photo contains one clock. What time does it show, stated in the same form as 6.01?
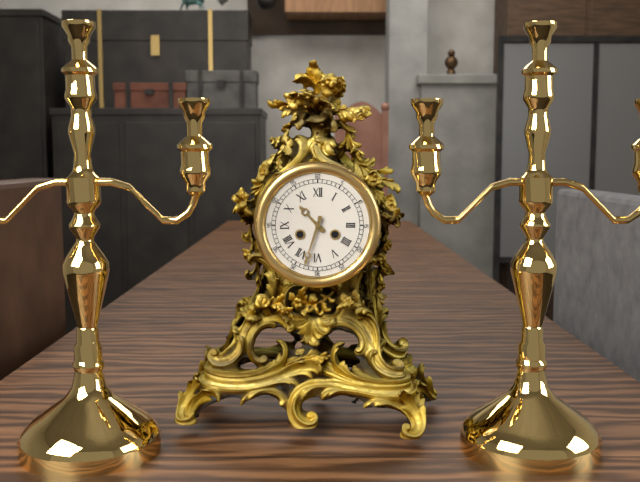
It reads 10.33
